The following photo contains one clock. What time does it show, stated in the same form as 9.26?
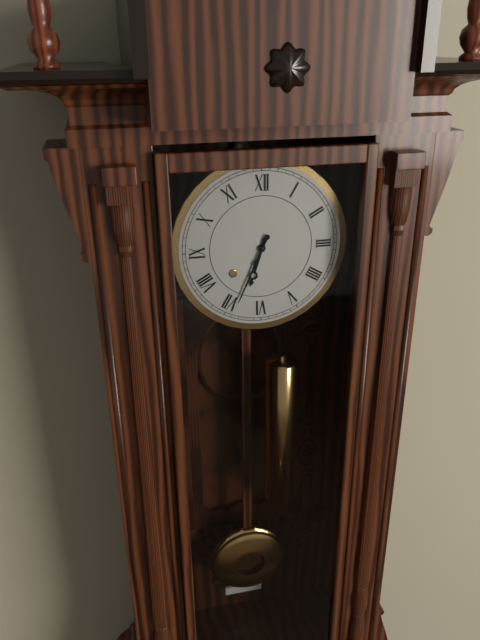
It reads 6.34
